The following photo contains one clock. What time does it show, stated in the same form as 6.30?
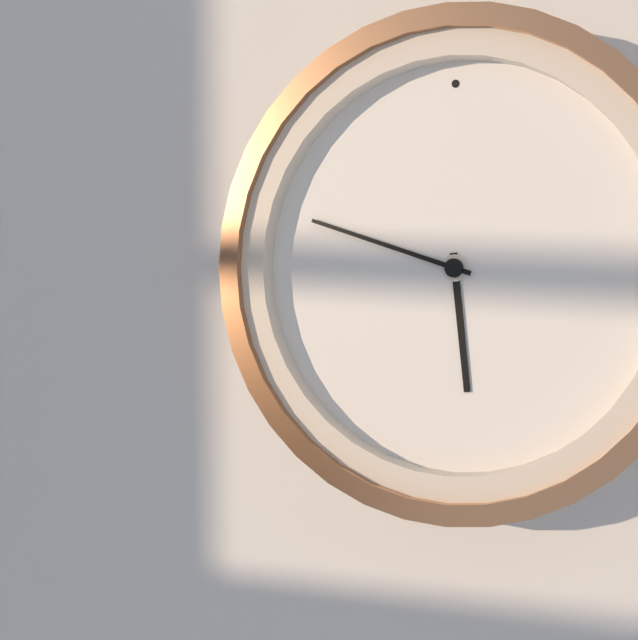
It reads 5.48
